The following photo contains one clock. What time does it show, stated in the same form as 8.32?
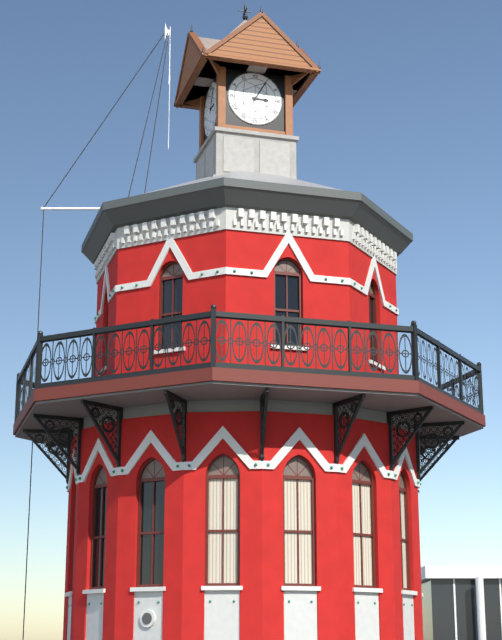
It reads 3.05
